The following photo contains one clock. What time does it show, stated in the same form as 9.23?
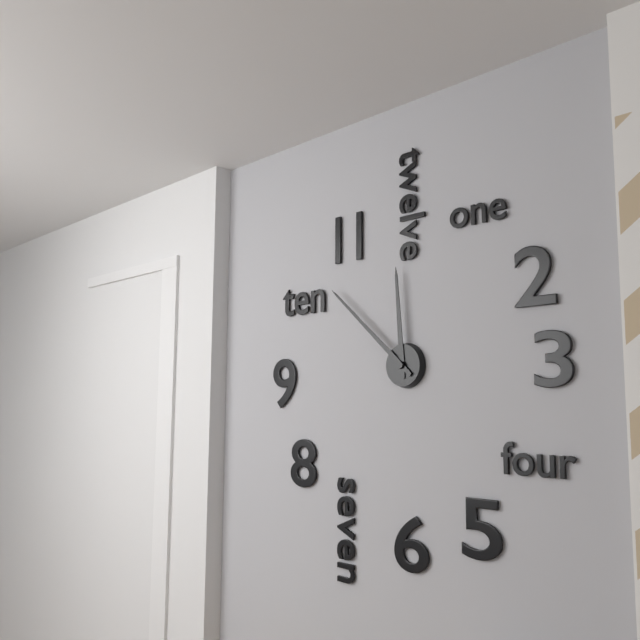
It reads 11.52
